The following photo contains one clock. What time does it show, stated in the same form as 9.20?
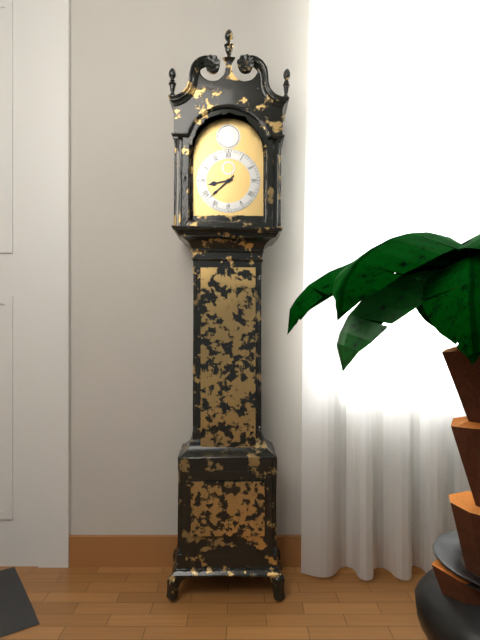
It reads 8.38
